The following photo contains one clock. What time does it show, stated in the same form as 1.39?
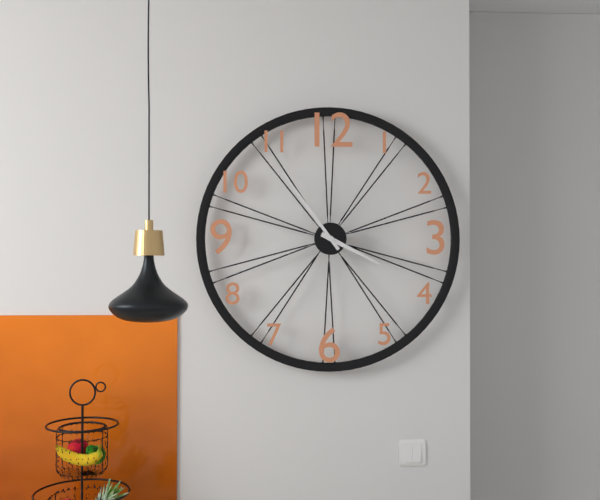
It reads 3.54
